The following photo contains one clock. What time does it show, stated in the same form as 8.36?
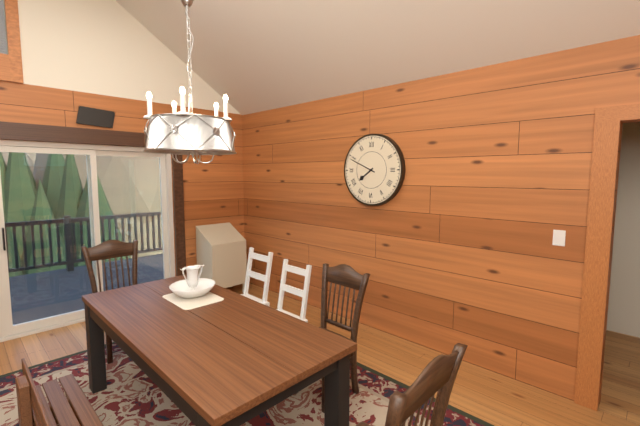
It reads 7.49
